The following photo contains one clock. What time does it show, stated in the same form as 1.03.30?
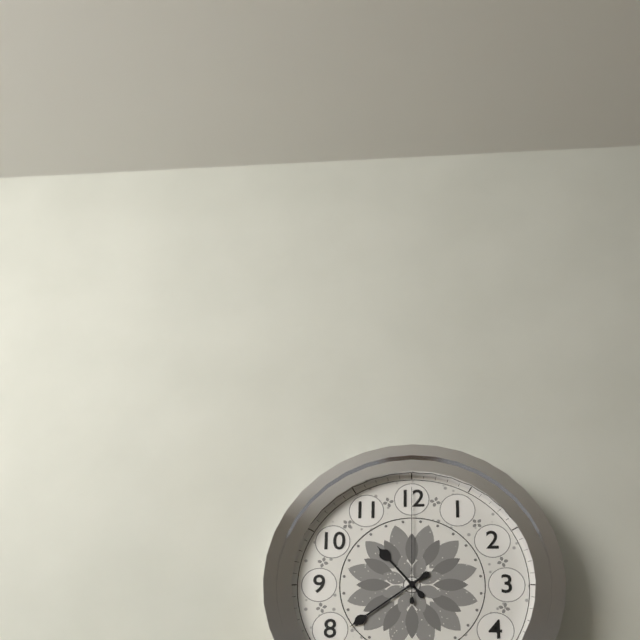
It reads 10.39.00
